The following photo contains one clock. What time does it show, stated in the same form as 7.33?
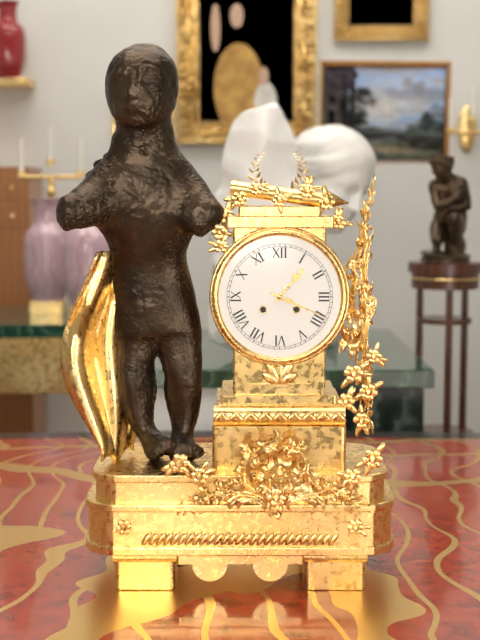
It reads 1.19
